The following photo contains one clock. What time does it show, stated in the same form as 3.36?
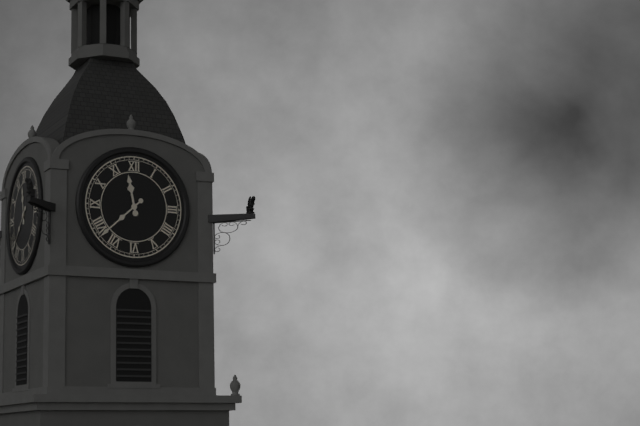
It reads 11.38
